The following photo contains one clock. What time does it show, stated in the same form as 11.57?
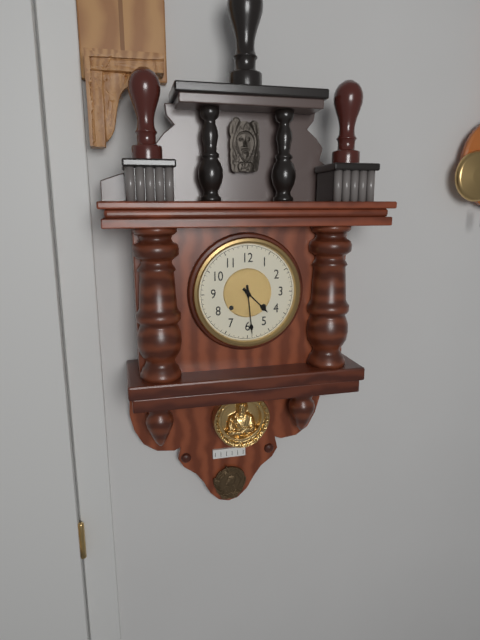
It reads 4.29
